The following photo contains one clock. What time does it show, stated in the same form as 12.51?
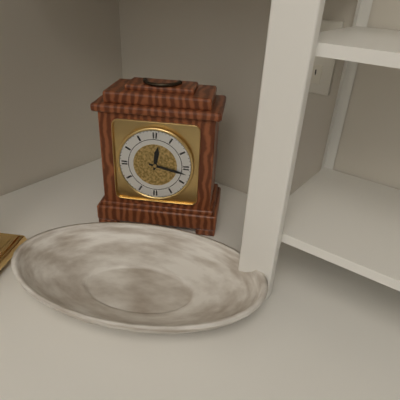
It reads 12.17
